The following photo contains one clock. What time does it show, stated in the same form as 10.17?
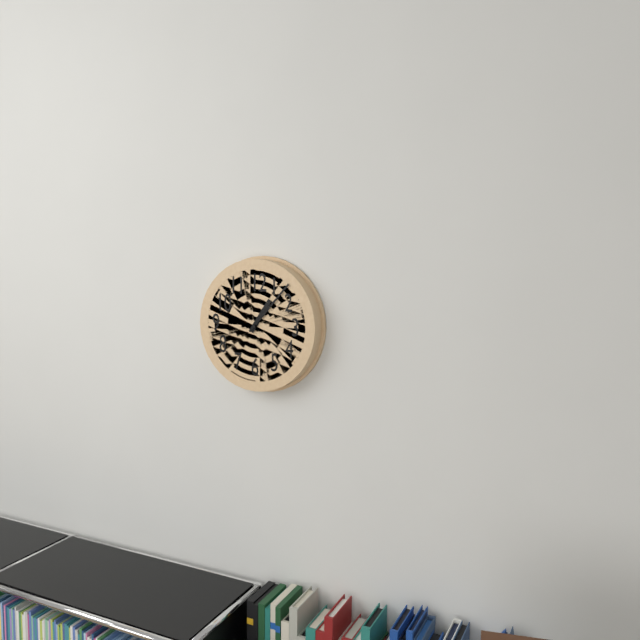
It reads 1.07
